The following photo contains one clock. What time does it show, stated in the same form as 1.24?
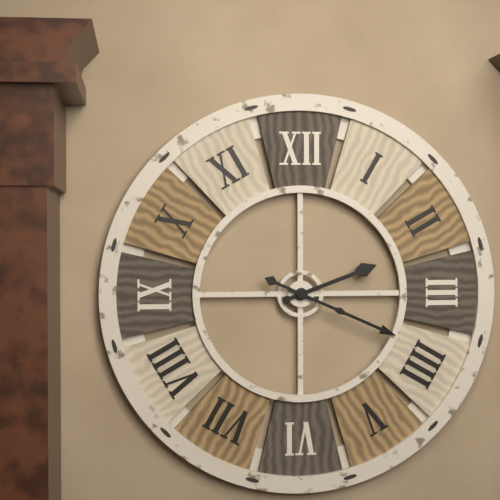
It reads 2.19
